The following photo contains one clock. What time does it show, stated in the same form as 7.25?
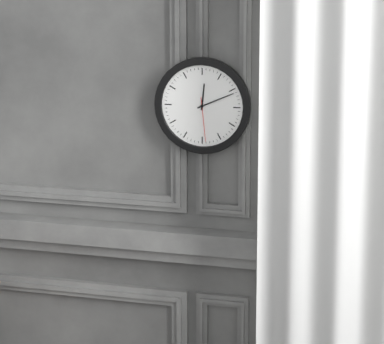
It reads 12.11
